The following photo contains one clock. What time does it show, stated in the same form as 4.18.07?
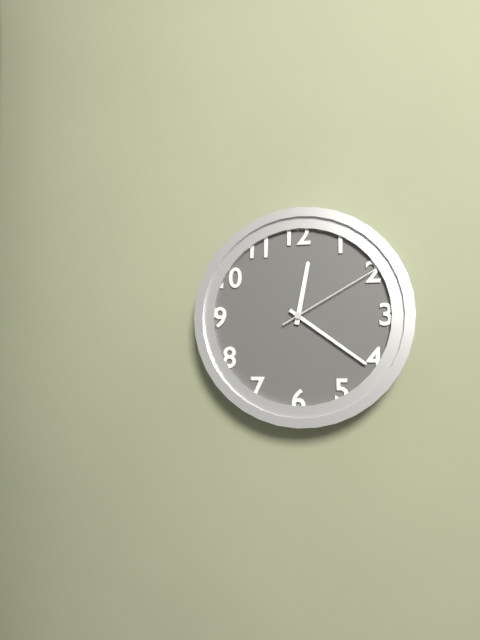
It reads 12.21.10
